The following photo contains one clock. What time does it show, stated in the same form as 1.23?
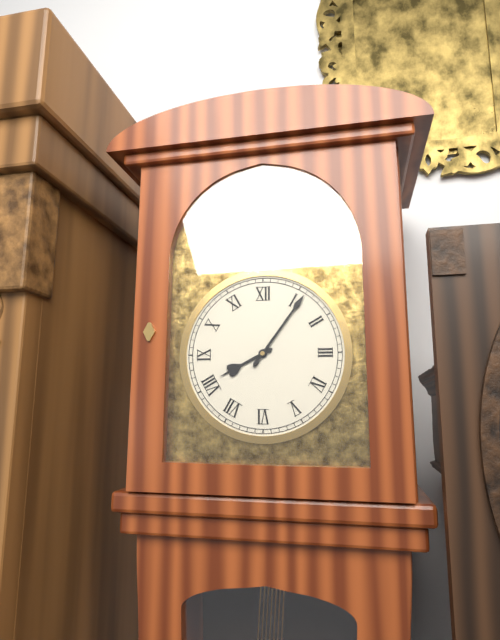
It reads 8.06
